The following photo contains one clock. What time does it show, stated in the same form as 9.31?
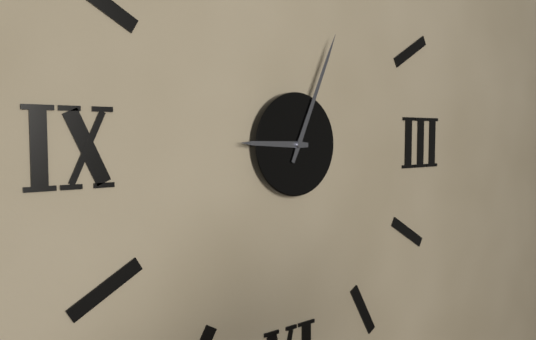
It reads 9.04
